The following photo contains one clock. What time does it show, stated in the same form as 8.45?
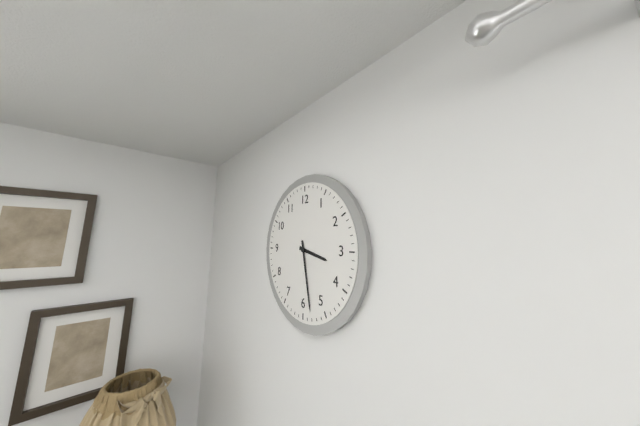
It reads 3.28
